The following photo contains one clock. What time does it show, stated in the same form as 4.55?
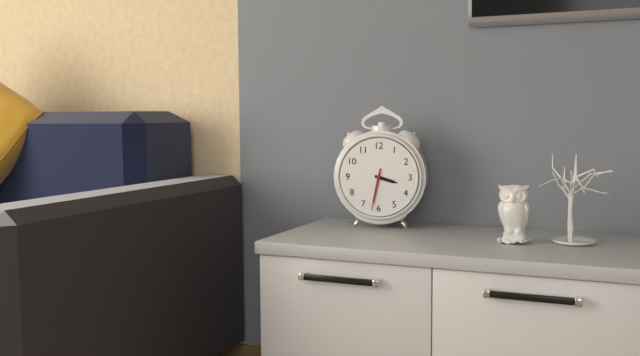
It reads 3.32
